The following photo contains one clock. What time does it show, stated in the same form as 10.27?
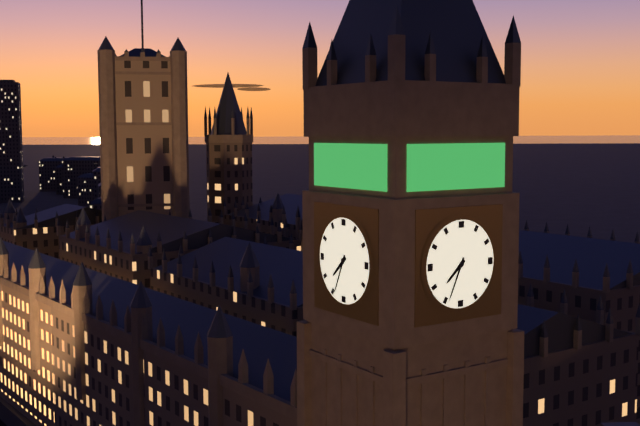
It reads 7.34
